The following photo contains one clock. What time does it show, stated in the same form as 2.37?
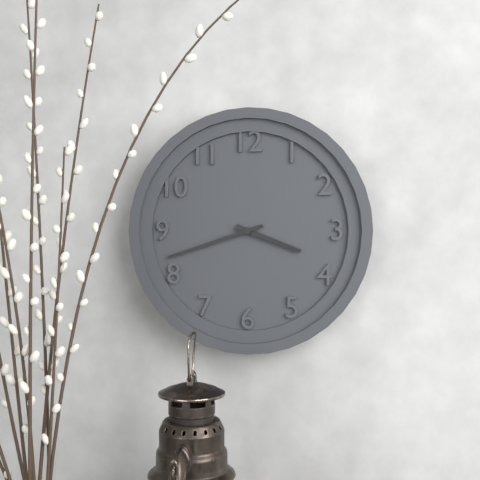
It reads 3.42
